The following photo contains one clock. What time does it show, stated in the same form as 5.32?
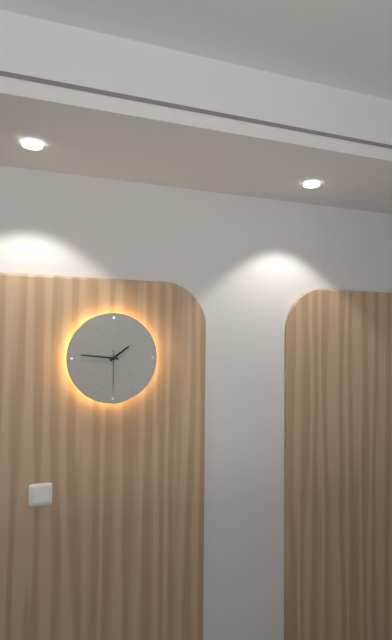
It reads 1.46
